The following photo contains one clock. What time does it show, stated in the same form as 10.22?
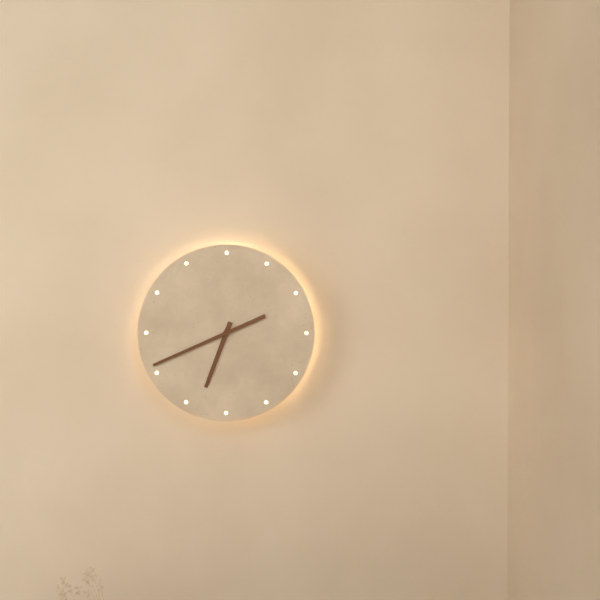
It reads 6.41
